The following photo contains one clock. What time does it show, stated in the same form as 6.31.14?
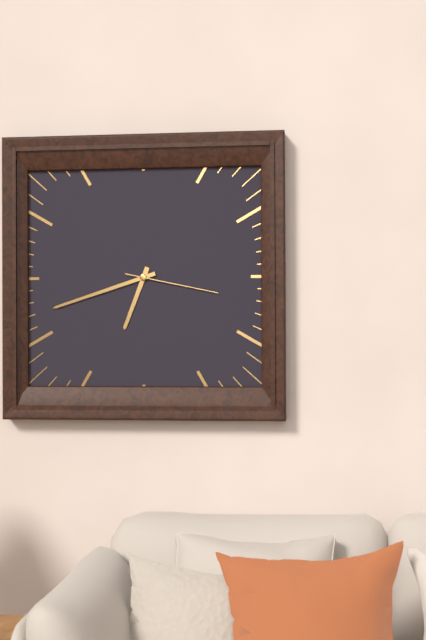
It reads 6.42.17
